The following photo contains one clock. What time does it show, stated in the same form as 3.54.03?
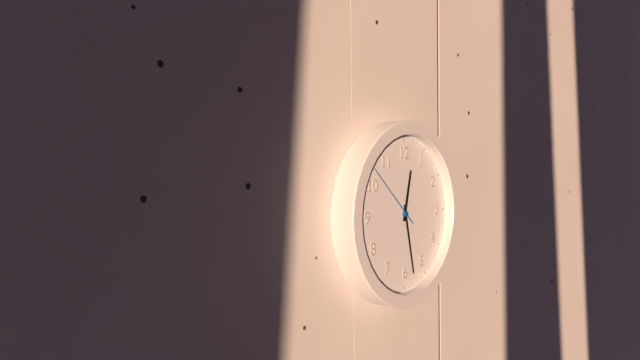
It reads 12.28.52
